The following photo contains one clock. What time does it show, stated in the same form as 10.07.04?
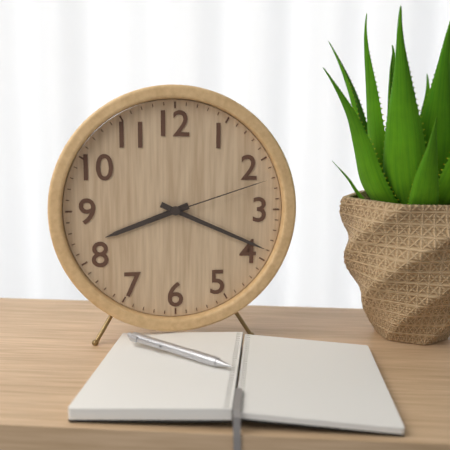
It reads 8.19.12
